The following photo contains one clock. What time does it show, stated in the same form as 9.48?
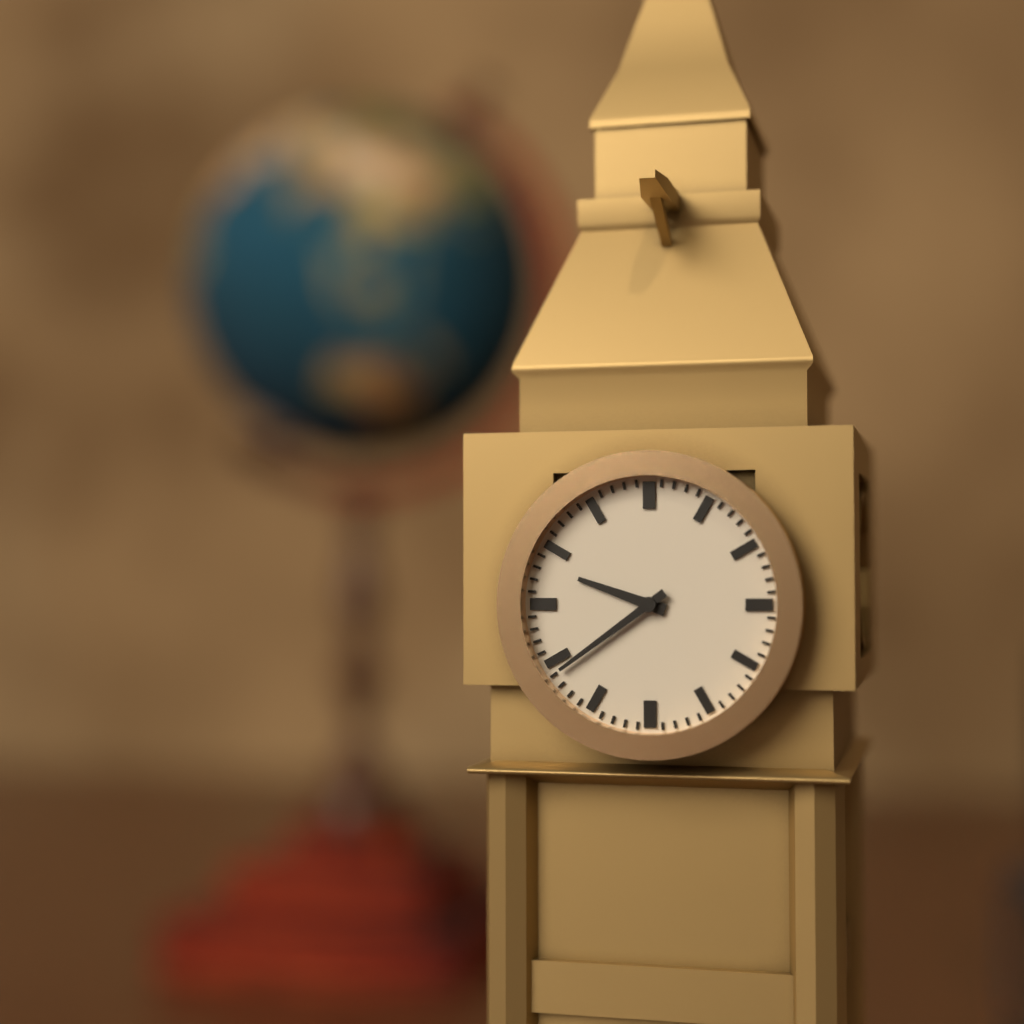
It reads 9.39
